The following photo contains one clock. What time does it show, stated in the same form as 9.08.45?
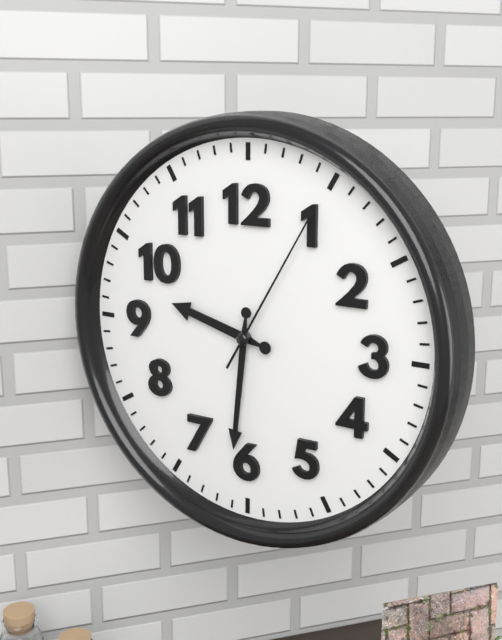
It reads 9.31.05
